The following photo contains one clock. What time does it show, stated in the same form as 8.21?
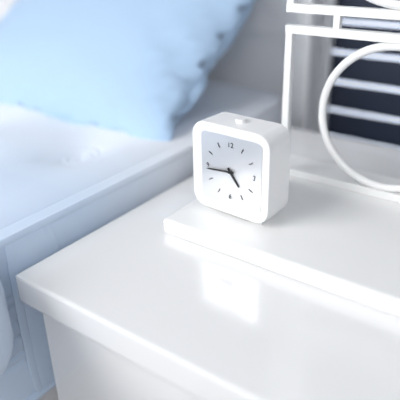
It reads 4.44
